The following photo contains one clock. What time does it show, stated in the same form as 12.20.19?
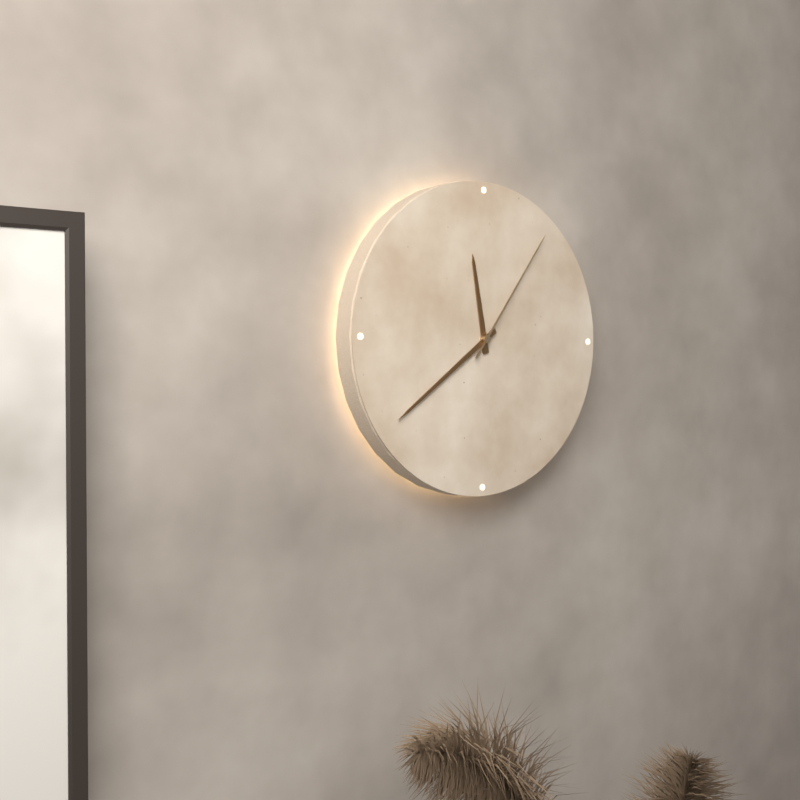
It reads 11.39.06
